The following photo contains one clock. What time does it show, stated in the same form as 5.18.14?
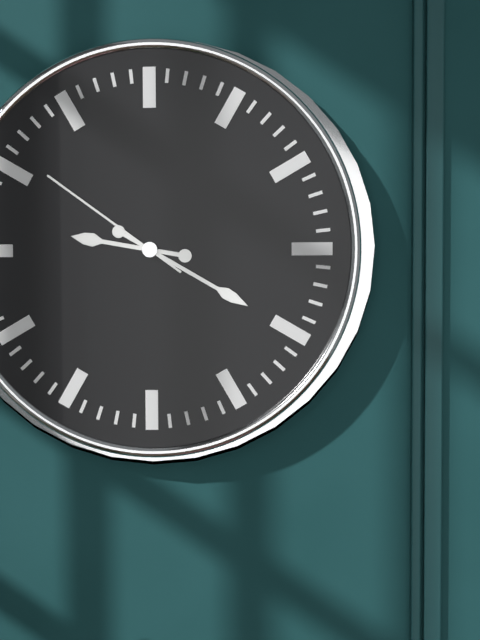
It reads 9.20.51
